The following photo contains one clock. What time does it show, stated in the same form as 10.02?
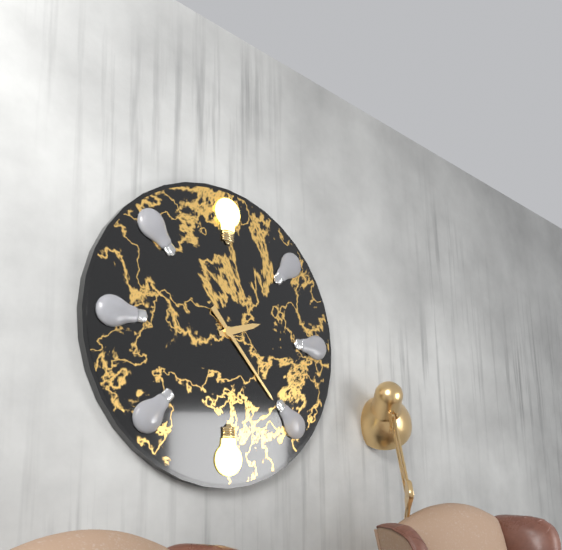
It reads 2.23
